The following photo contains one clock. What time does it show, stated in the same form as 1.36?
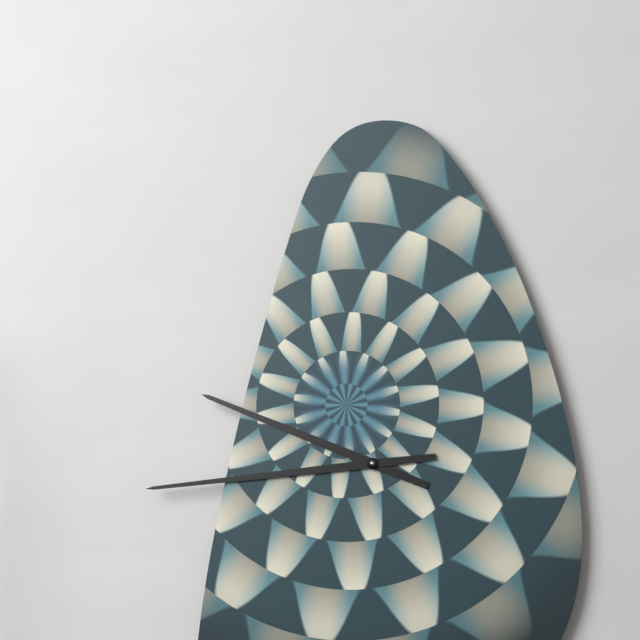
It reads 9.44
